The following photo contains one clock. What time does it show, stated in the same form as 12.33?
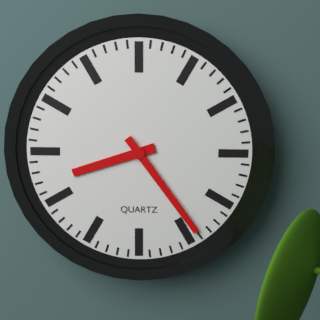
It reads 8.24
